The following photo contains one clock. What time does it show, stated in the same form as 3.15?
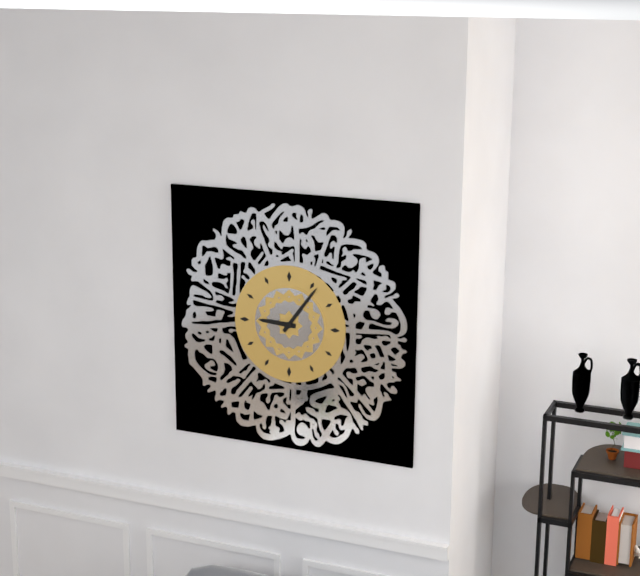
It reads 9.06
